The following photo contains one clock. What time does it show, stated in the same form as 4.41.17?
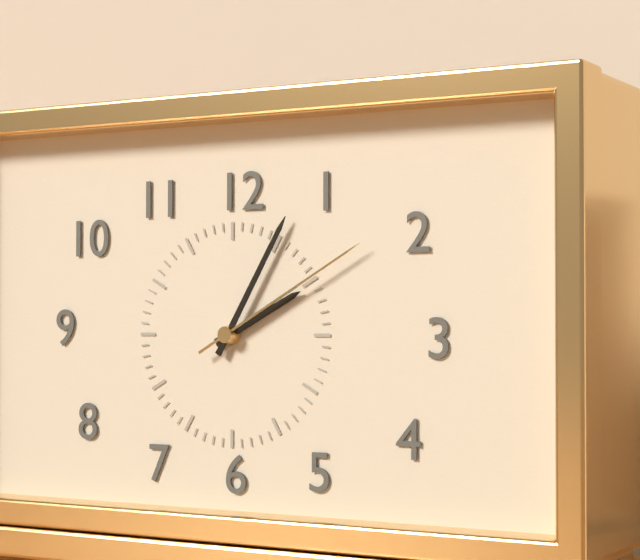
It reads 2.05.10
